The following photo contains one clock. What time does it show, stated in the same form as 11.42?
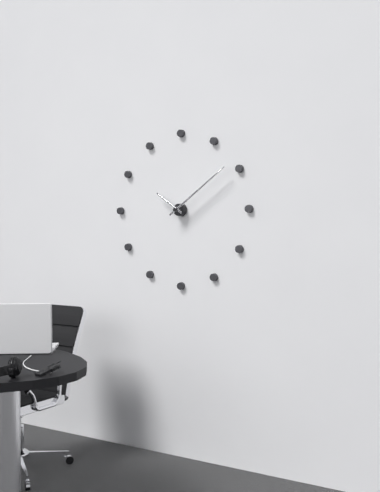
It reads 10.09
